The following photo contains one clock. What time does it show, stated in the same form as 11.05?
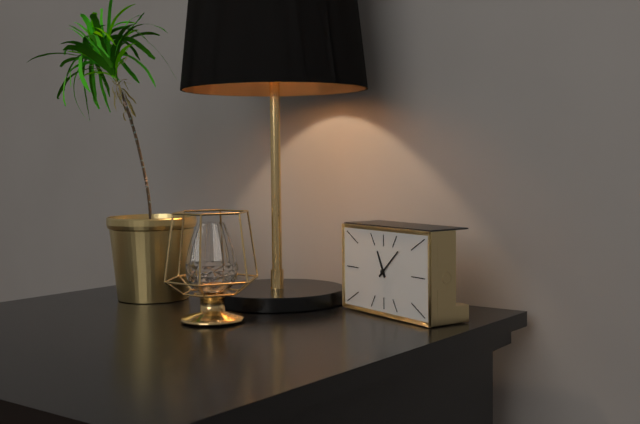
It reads 11.08
